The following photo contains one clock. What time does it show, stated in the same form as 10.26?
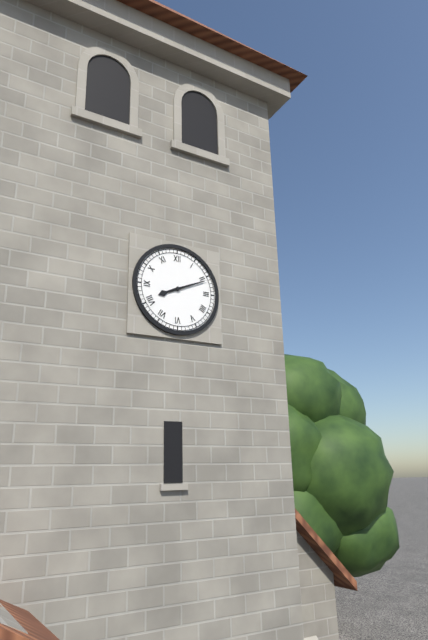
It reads 8.11
